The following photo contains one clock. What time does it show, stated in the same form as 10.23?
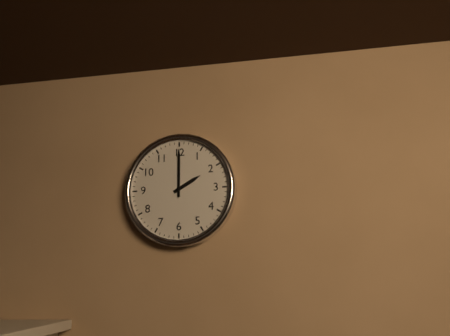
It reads 2.00
